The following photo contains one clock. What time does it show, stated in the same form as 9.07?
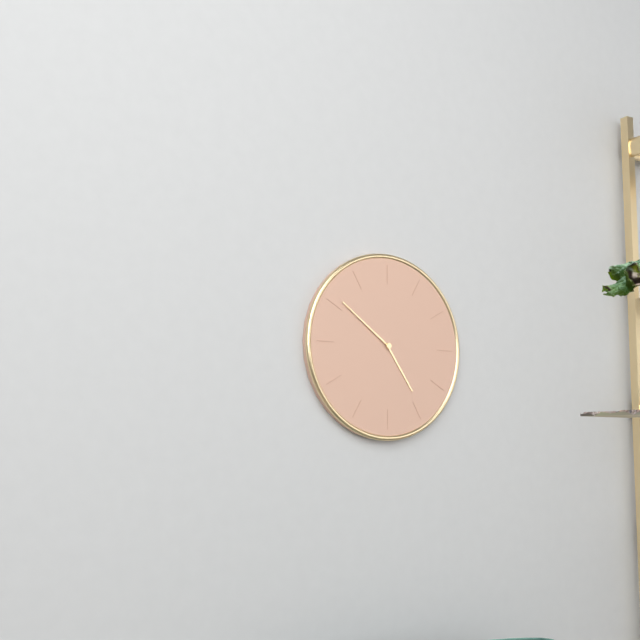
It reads 4.51
